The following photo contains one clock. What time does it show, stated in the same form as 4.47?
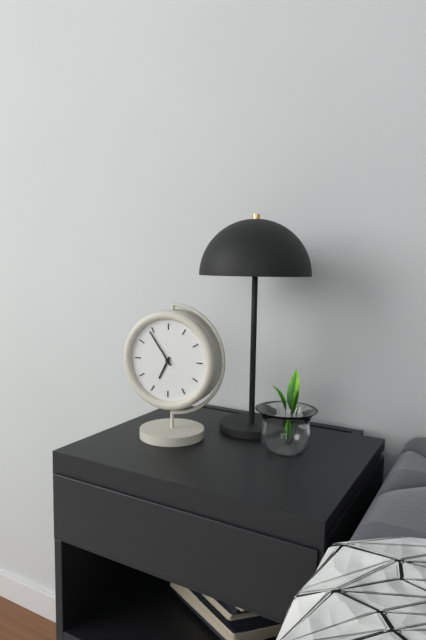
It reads 6.54
